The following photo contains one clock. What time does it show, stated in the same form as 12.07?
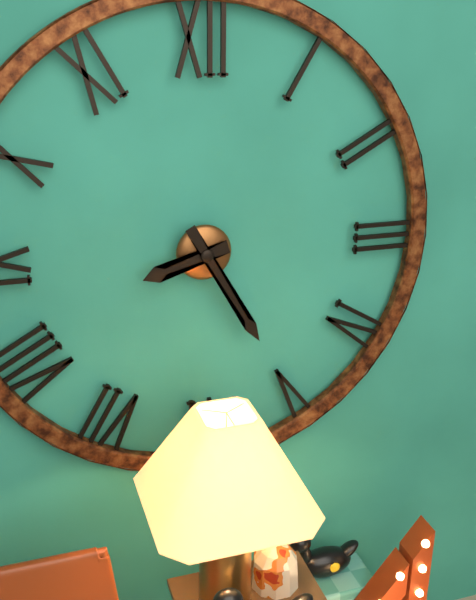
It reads 8.25
